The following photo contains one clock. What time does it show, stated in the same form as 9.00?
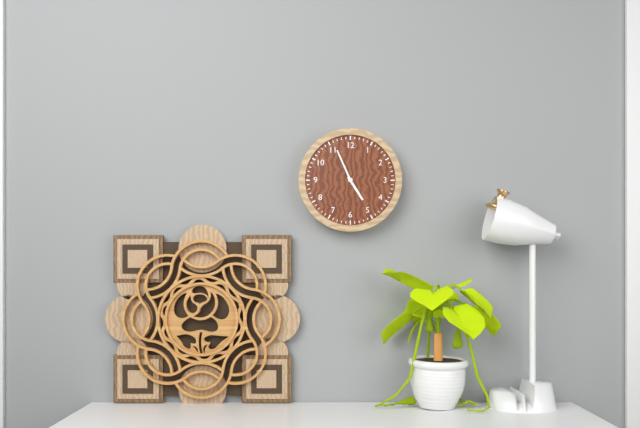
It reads 4.56
